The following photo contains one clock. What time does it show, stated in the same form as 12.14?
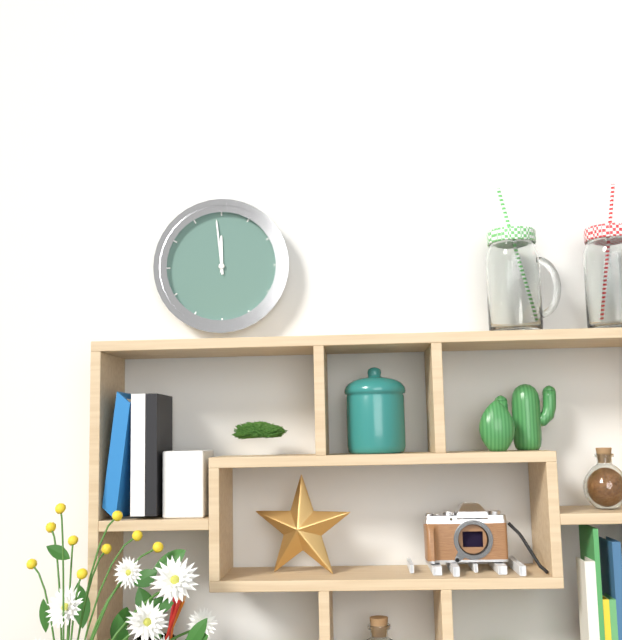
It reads 11.59
